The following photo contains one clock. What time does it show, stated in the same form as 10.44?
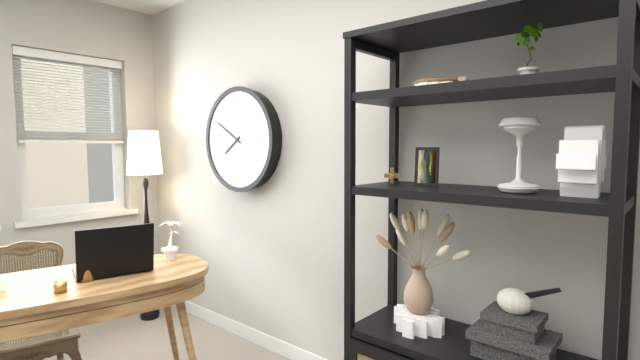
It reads 7.50
